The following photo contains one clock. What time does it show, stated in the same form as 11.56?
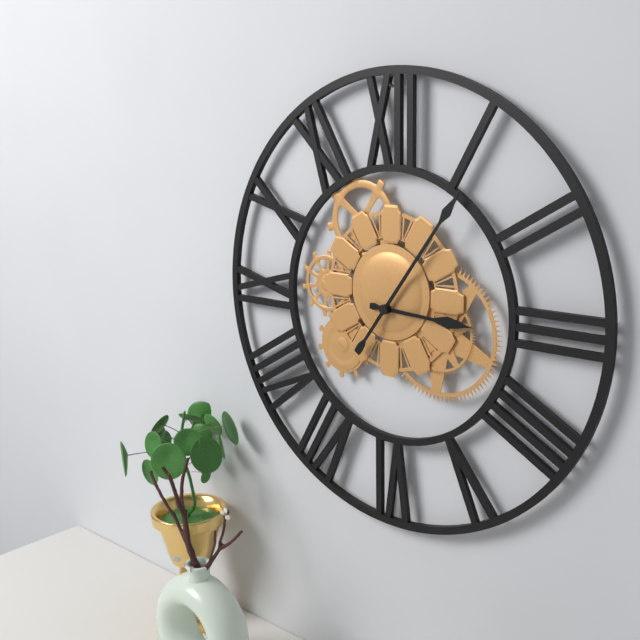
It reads 3.06
